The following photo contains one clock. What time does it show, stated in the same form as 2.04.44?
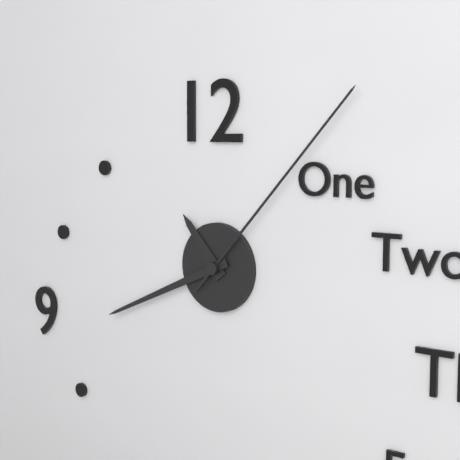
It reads 10.41.07
